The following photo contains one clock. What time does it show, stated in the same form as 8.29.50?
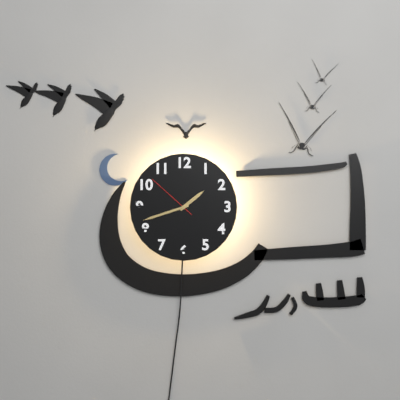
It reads 1.42.52
